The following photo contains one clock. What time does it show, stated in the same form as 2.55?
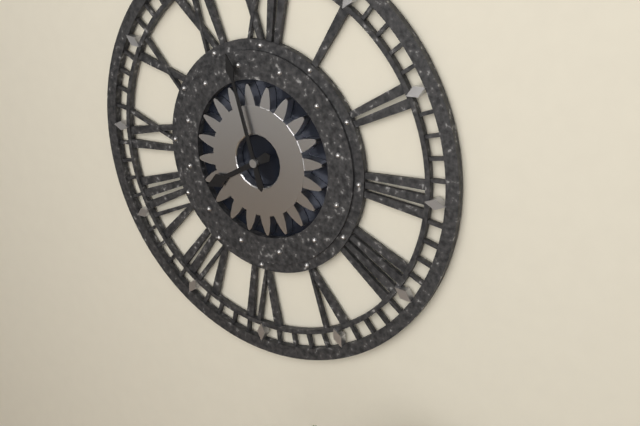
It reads 7.57
